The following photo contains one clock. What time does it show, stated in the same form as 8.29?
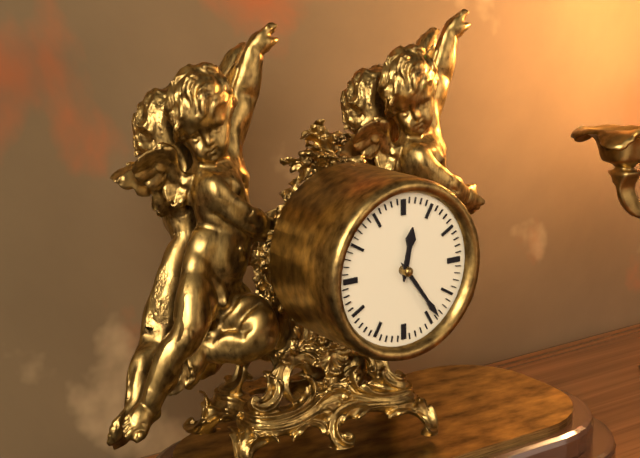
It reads 12.24
